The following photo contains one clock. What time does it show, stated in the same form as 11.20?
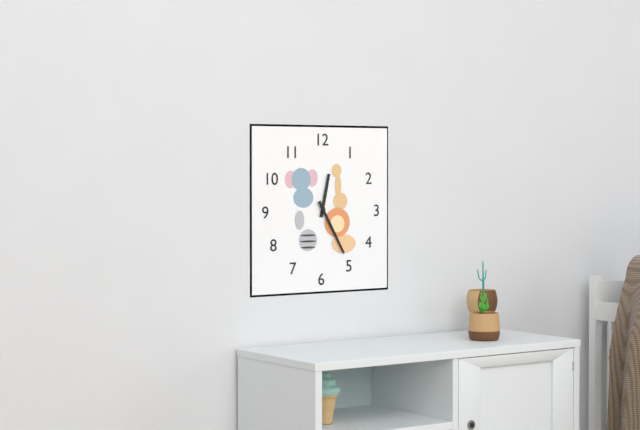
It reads 12.25
